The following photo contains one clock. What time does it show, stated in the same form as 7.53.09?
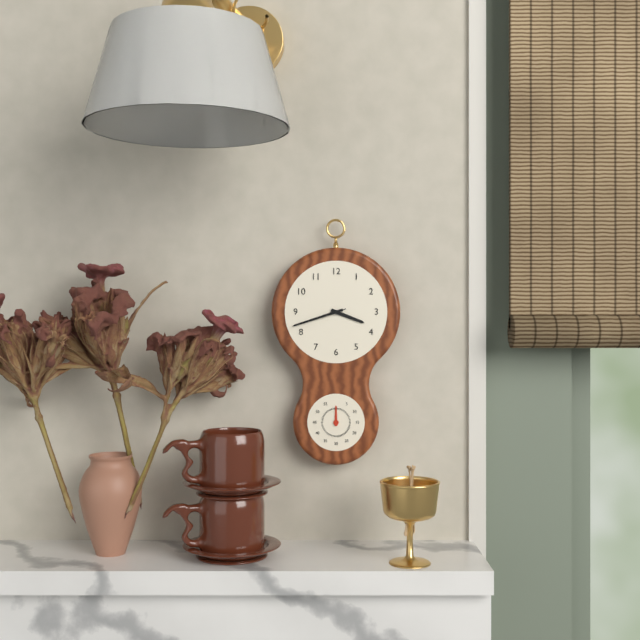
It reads 3.42.42
